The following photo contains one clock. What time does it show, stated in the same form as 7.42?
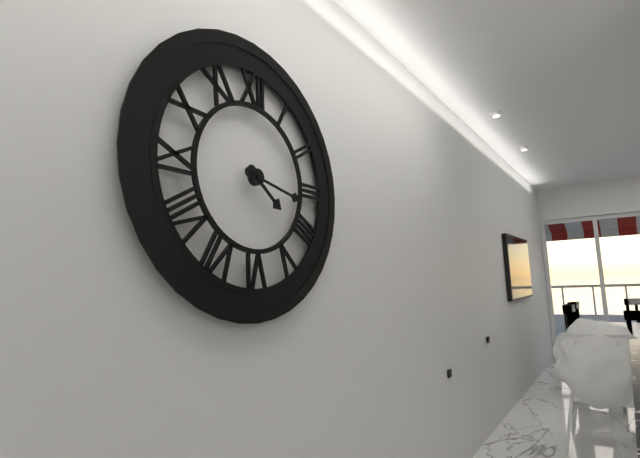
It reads 4.17
